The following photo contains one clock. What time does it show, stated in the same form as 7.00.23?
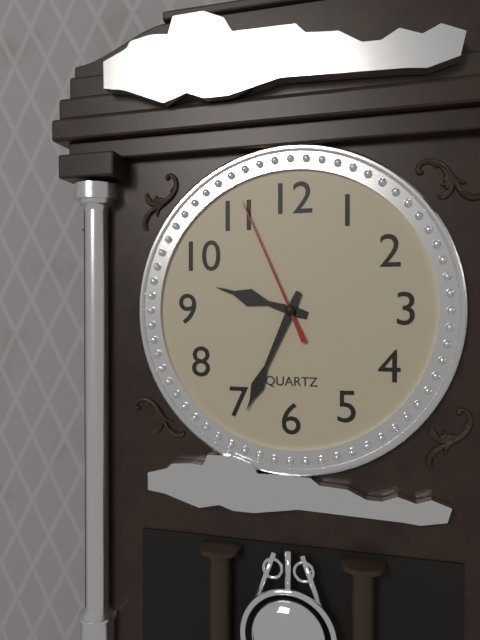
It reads 9.34.56
